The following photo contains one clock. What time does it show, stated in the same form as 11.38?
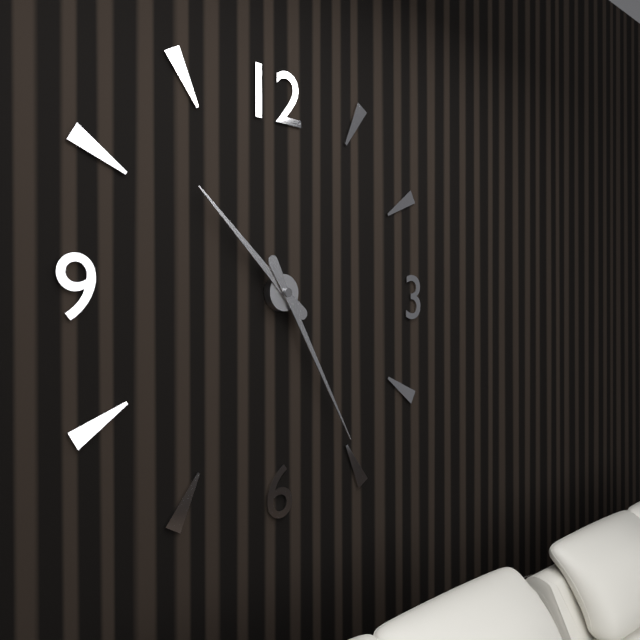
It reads 10.25
